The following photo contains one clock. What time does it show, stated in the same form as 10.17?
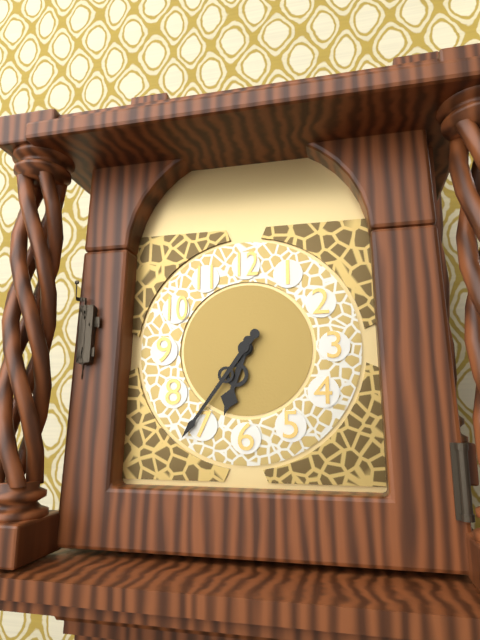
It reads 6.36
